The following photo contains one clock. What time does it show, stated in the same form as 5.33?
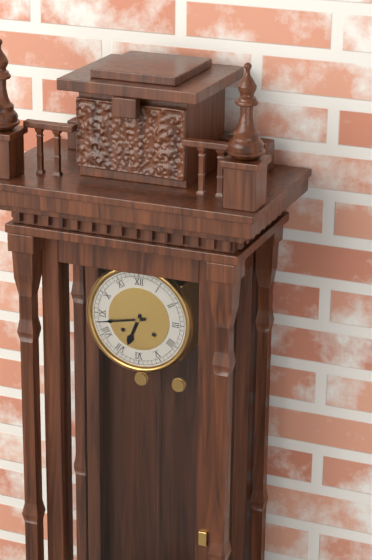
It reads 6.43
